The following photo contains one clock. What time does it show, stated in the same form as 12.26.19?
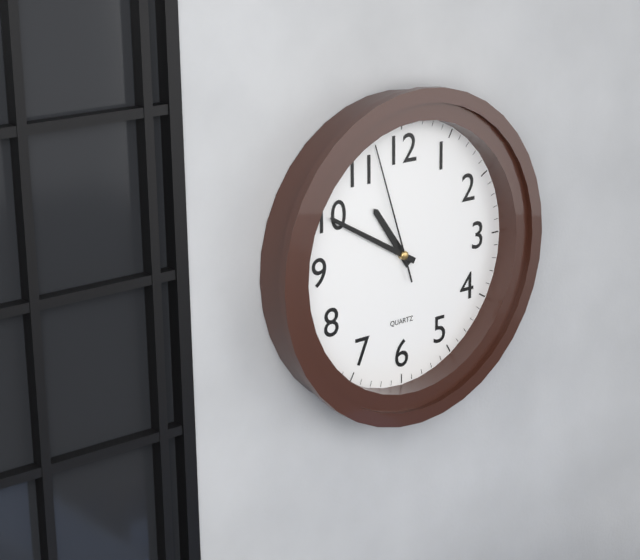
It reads 10.50.57
